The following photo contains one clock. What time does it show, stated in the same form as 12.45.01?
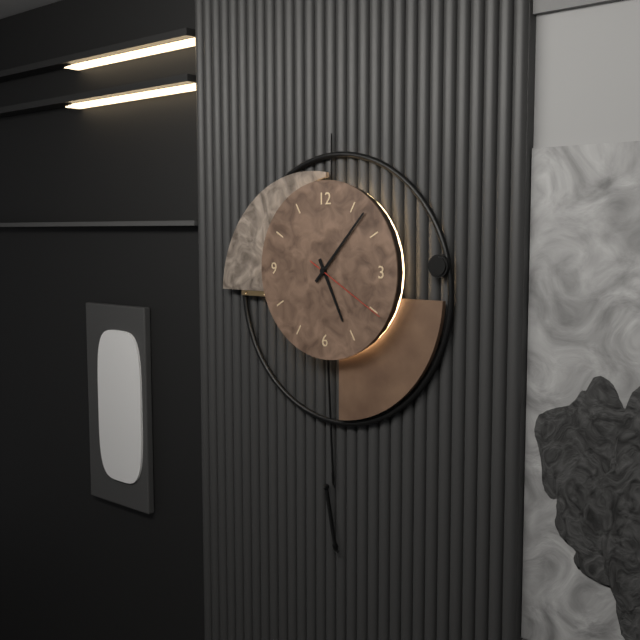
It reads 5.07.20
